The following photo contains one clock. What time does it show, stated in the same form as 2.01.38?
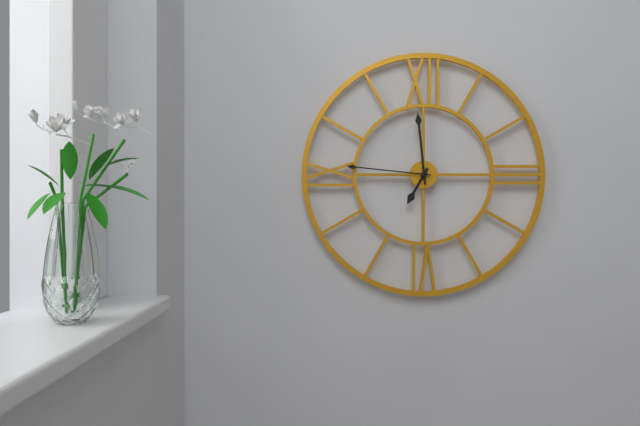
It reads 6.59.46
